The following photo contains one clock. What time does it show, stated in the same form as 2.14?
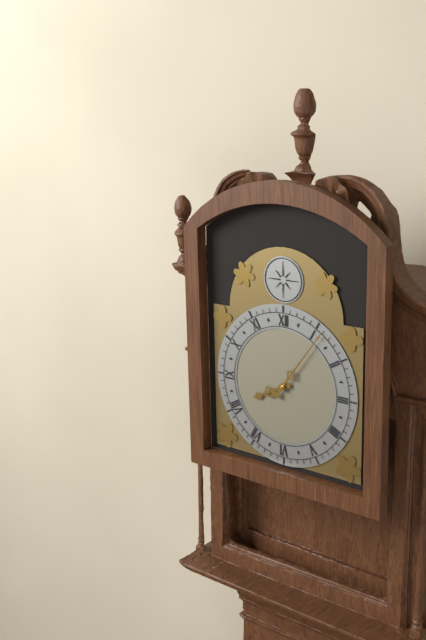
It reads 8.06
